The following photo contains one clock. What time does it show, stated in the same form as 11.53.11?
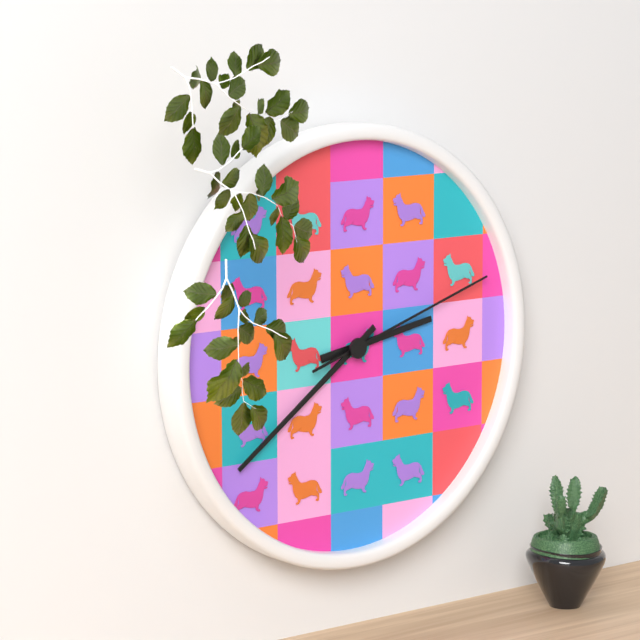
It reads 2.39.12
